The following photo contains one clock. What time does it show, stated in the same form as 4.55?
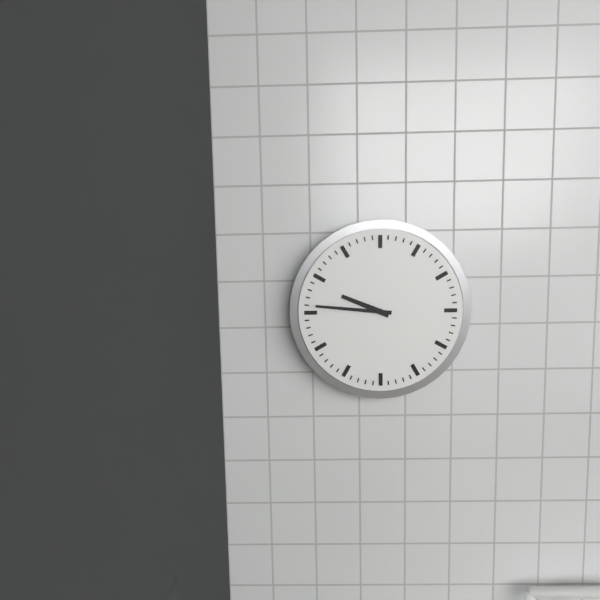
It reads 9.46
